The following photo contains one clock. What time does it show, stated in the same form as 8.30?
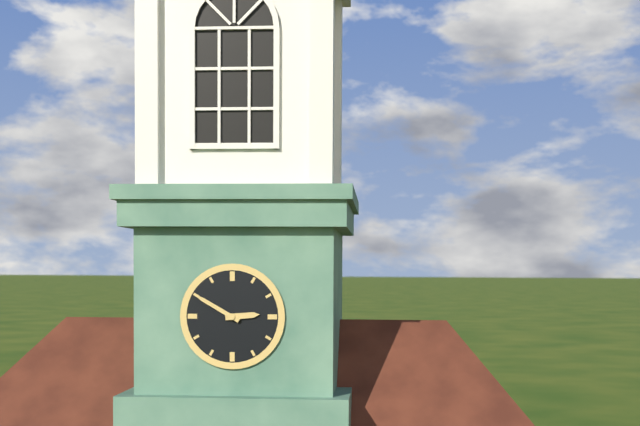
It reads 2.50
